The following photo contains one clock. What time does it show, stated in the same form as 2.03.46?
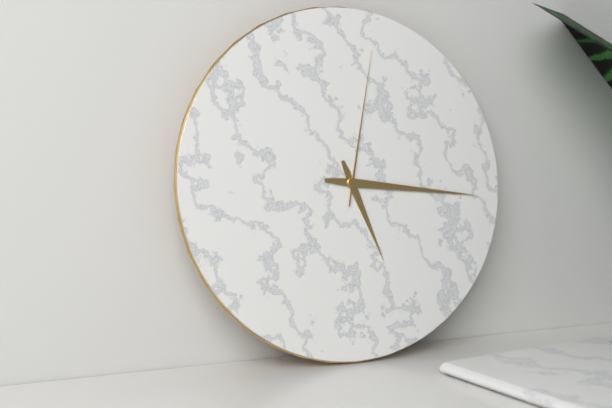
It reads 5.16.02
